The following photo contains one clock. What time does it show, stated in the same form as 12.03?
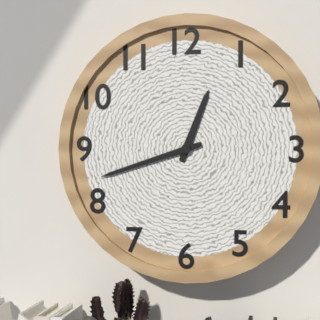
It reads 12.42
